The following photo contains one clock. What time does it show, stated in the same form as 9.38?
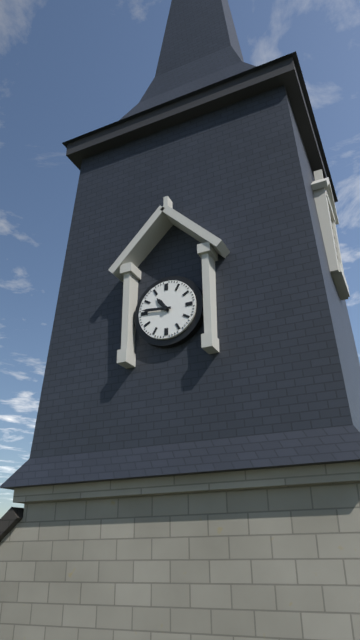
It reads 10.46
